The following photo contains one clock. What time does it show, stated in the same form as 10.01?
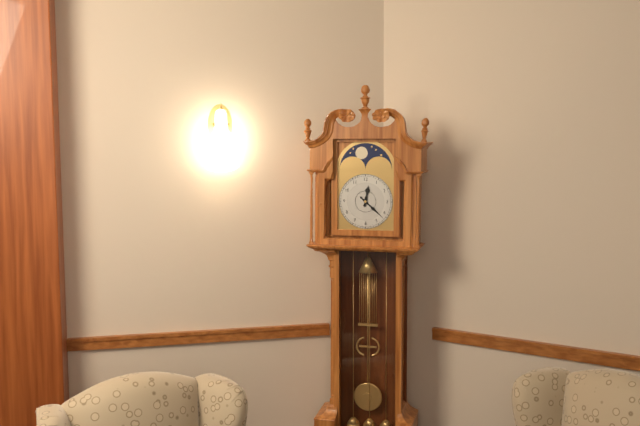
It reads 12.22
